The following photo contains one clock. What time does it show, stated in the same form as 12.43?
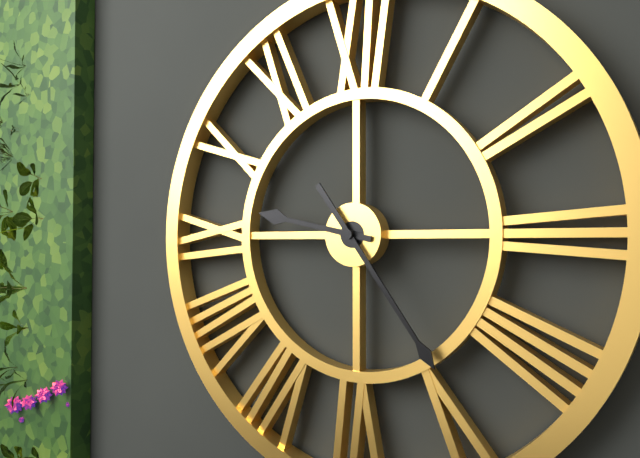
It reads 9.24
